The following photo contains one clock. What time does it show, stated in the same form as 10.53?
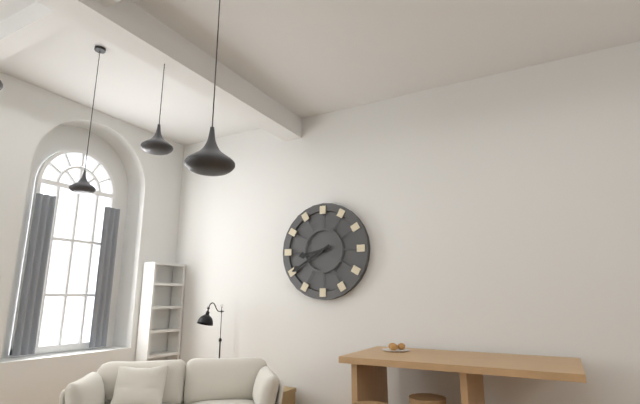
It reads 8.40
